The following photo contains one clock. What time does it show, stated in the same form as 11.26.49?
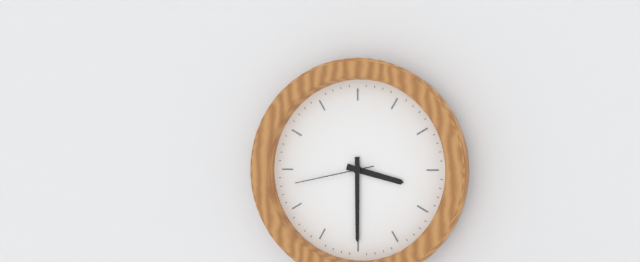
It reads 3.30.43
